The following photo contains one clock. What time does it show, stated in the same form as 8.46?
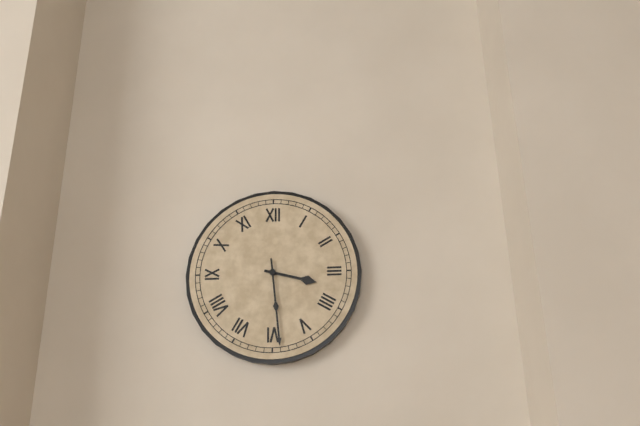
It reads 3.29
